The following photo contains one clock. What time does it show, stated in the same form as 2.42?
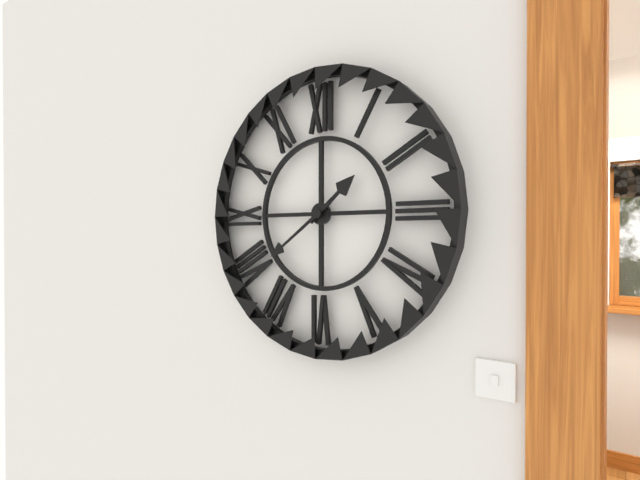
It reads 1.39
